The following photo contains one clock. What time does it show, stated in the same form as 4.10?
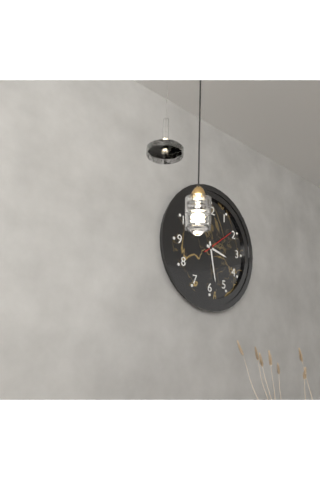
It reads 3.28
